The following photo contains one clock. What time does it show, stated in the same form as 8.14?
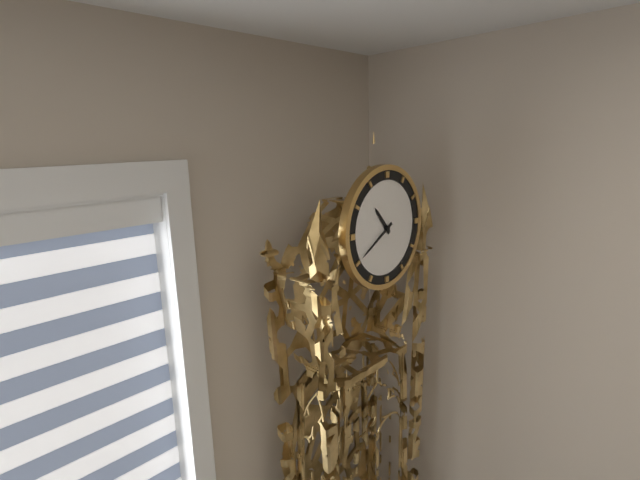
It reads 10.40
